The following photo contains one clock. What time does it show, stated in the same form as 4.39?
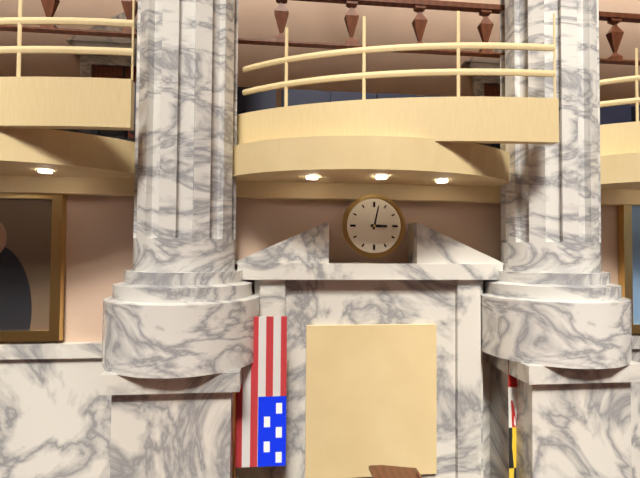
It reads 3.02
